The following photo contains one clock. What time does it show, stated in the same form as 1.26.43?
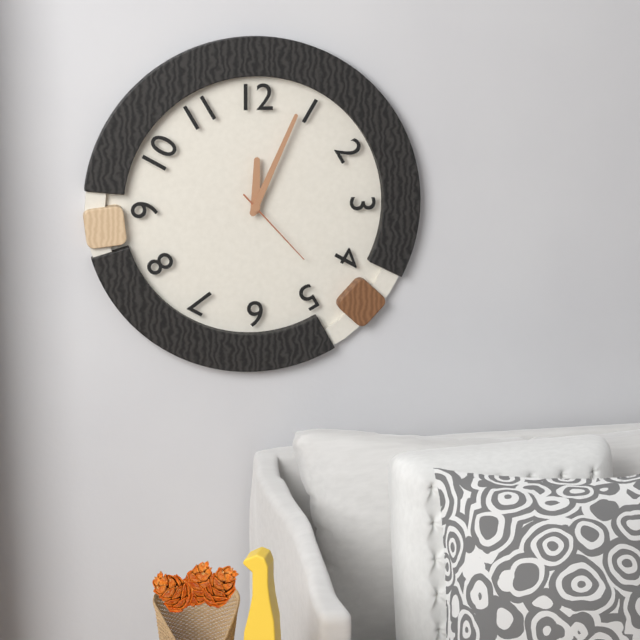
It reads 12.04.23
